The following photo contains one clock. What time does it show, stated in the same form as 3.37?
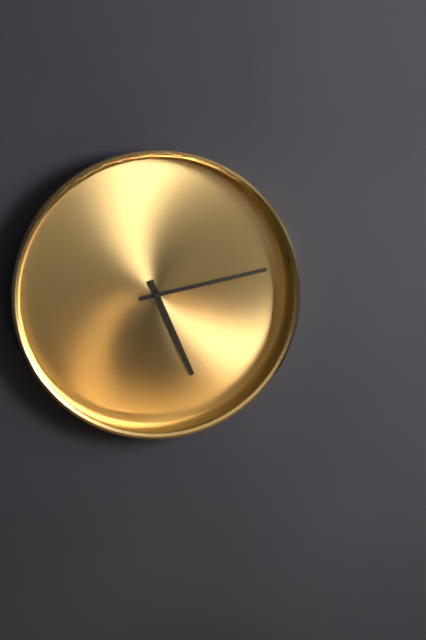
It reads 5.13
